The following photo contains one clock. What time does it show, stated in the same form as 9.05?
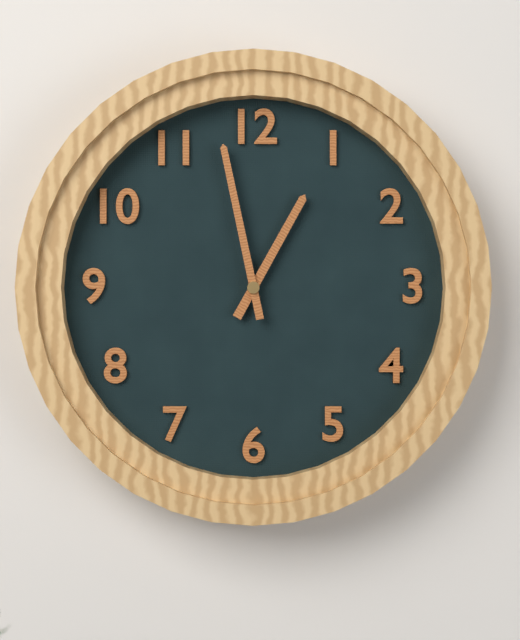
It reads 12.58
